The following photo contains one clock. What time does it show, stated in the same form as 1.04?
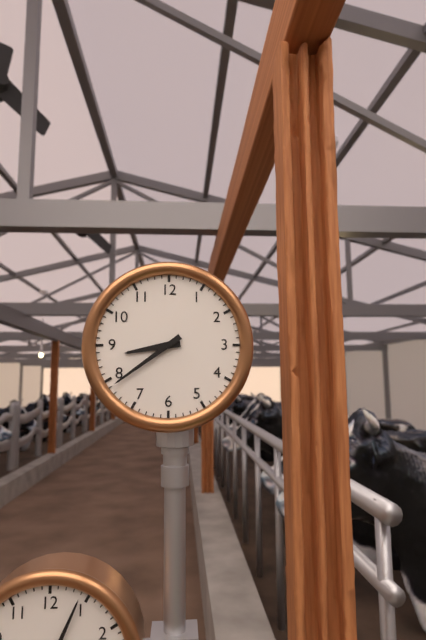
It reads 8.39
